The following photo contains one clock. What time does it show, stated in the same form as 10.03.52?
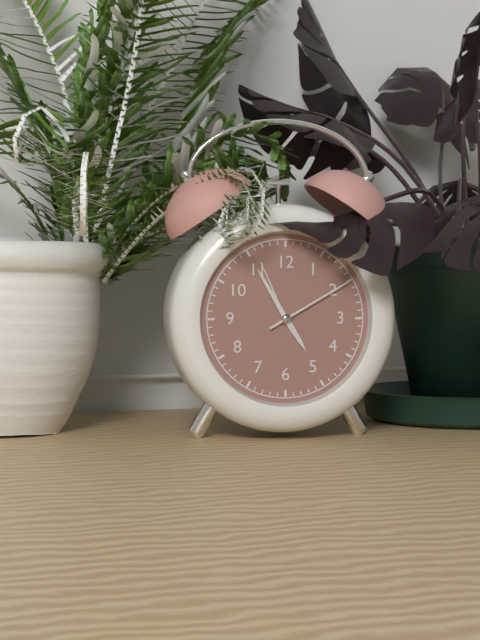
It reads 4.55.10
